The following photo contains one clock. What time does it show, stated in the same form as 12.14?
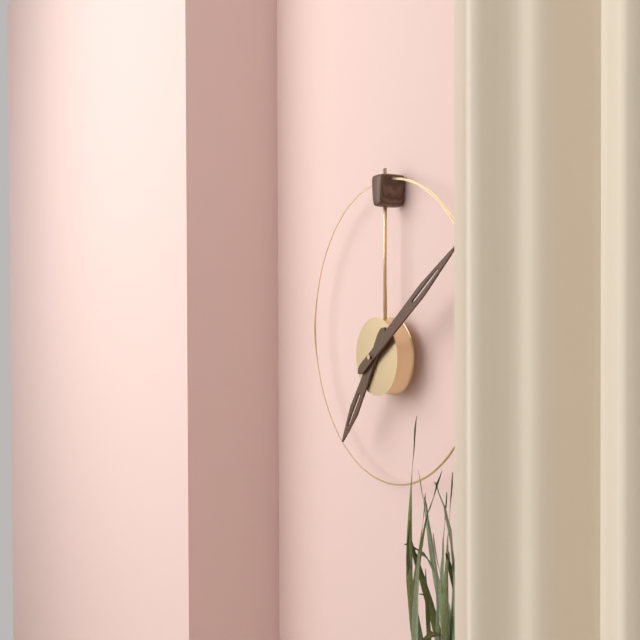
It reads 7.09
